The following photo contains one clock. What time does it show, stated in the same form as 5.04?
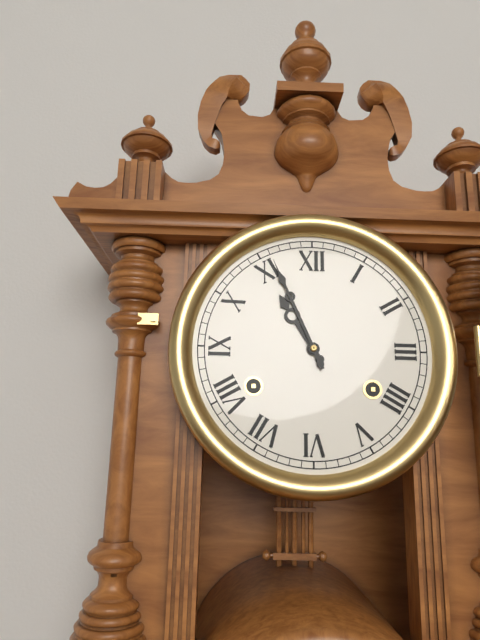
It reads 10.56
